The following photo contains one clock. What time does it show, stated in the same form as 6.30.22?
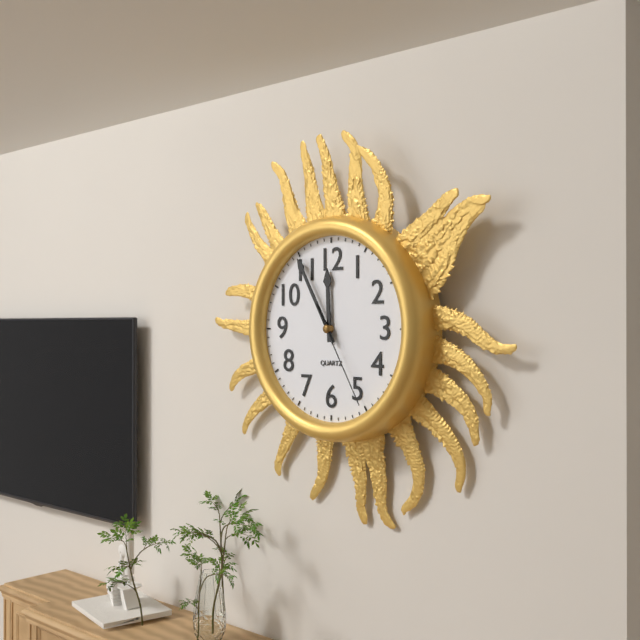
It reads 11.55.25
